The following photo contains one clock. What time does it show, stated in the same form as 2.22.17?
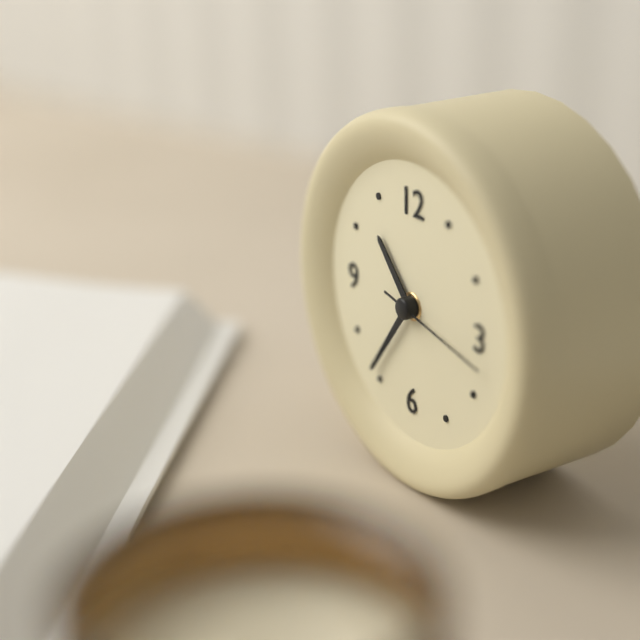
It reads 10.36.17
